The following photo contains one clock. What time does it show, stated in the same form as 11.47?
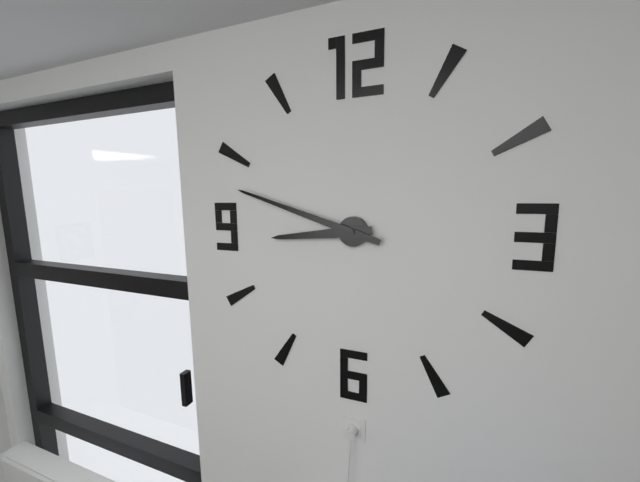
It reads 8.48
